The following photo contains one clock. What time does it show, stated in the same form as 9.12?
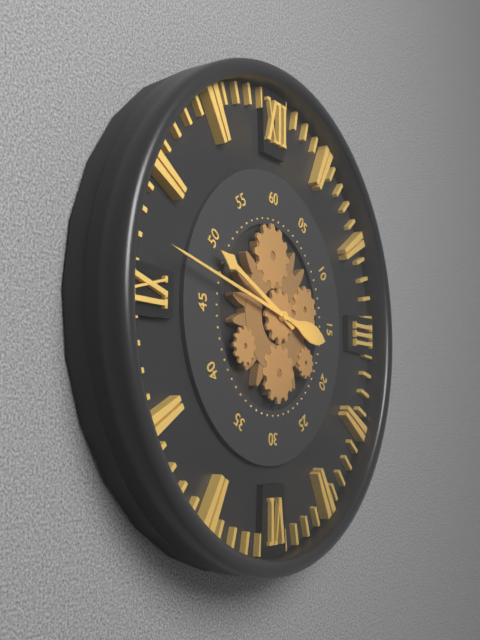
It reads 9.47
